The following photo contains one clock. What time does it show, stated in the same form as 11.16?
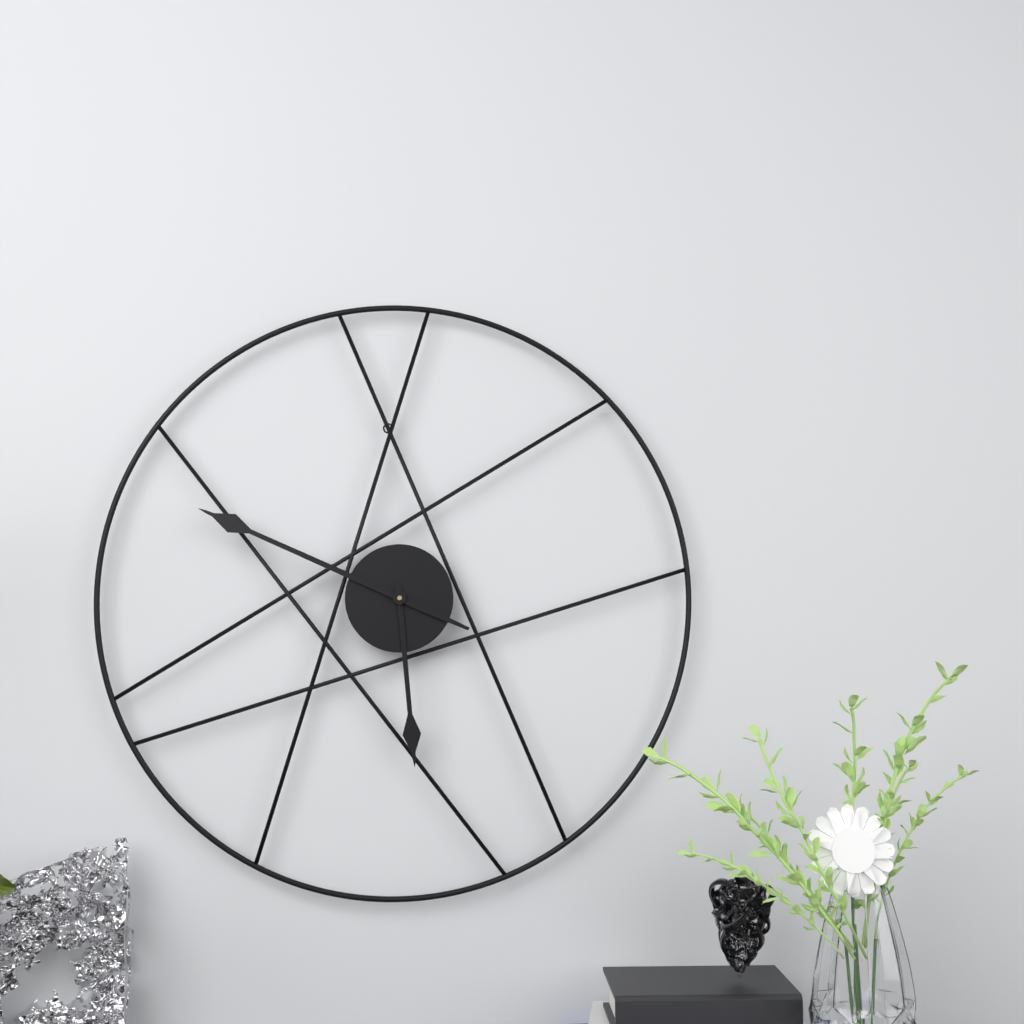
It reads 5.49
